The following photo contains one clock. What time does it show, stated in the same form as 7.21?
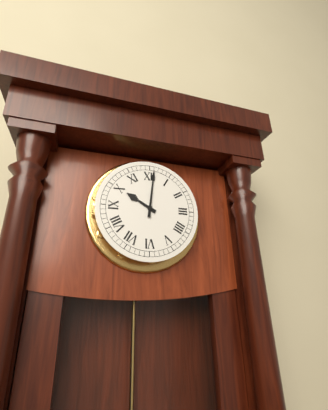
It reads 10.01
